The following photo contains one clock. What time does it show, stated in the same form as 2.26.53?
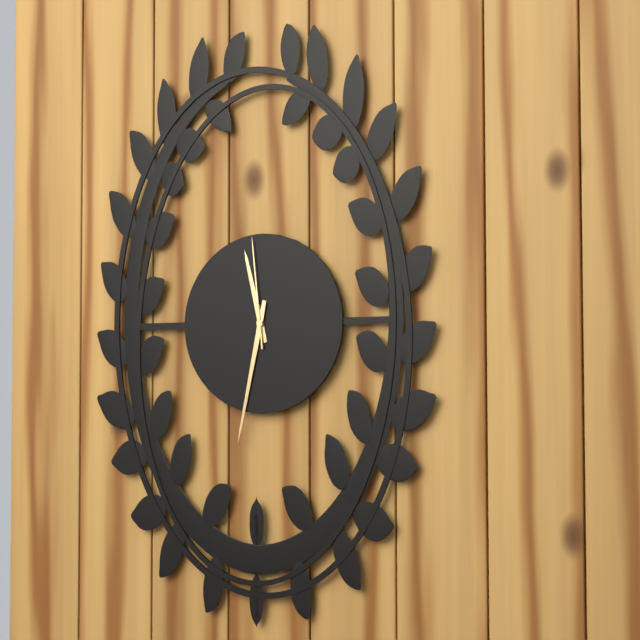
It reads 11.32.59
